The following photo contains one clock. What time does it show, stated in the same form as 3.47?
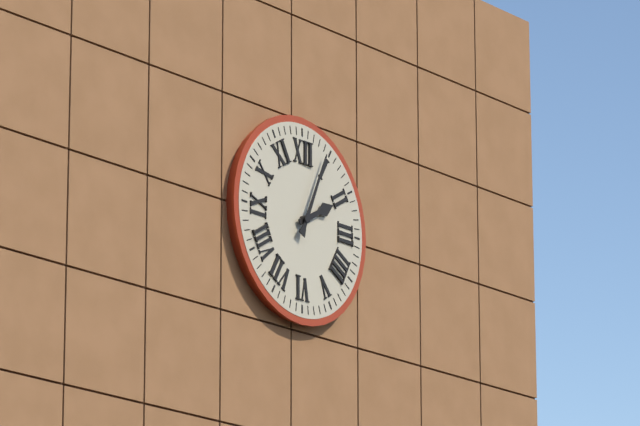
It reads 2.04
